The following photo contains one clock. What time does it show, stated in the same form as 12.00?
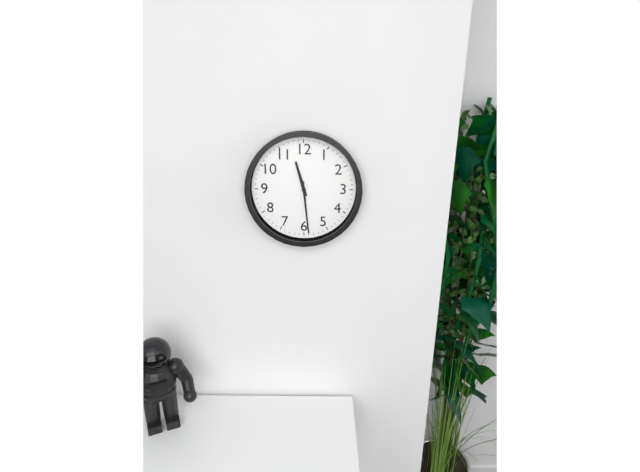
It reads 11.29
